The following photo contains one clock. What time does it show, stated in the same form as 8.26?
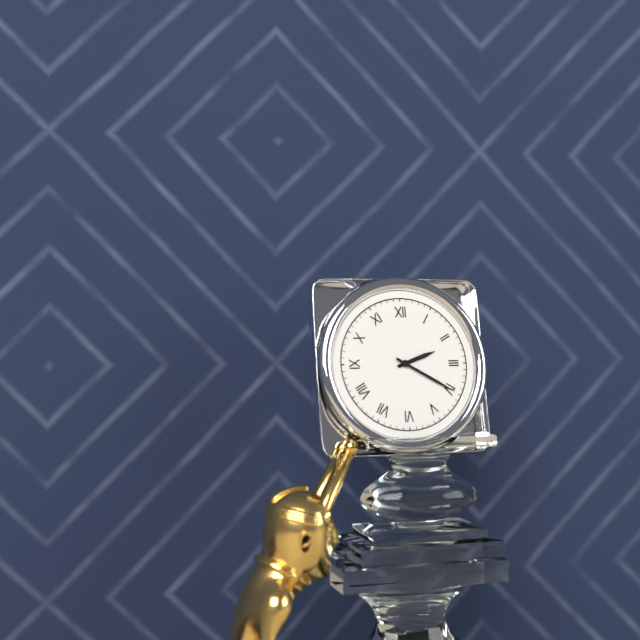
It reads 2.20
